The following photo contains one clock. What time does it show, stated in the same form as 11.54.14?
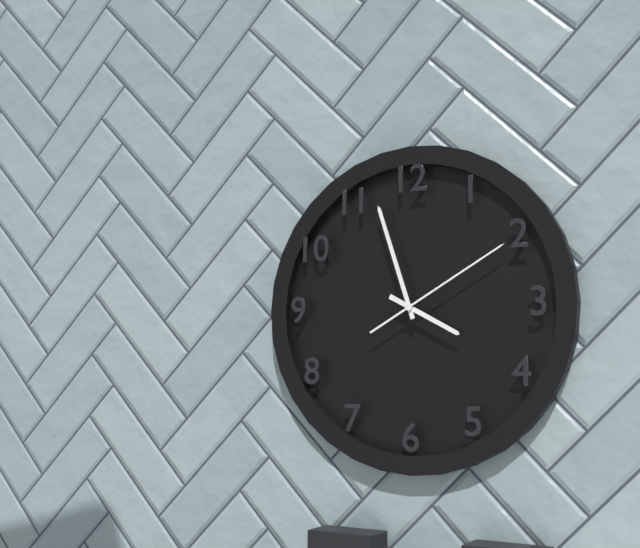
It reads 3.57.10
